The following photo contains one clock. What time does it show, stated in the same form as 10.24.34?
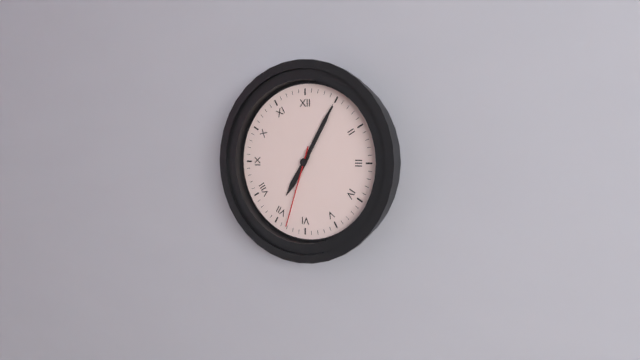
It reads 7.05.33
